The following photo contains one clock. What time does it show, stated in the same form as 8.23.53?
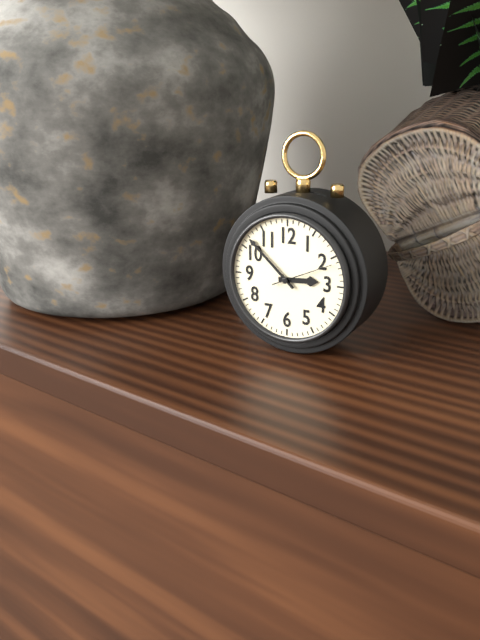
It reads 2.52.11
